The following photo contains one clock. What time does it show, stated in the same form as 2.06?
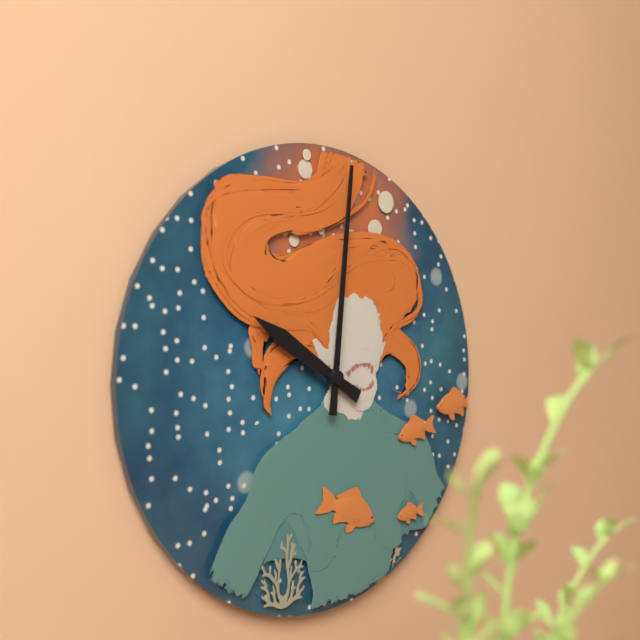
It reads 10.01
